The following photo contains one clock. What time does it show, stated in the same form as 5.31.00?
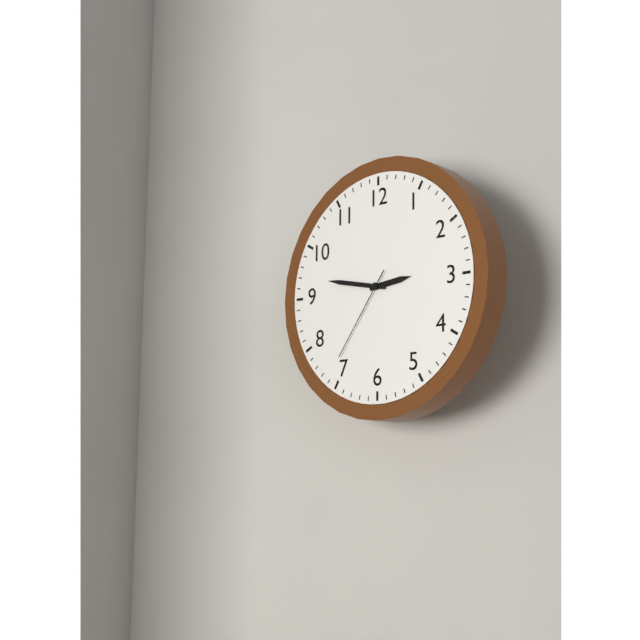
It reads 2.47.36
